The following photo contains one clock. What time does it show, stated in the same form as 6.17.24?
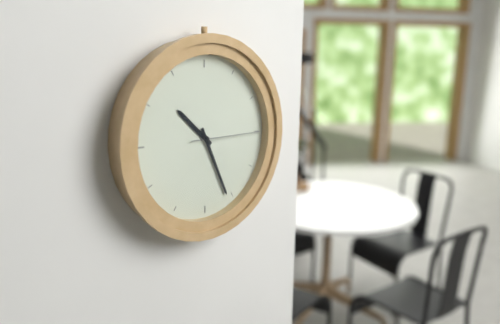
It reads 10.26.15
